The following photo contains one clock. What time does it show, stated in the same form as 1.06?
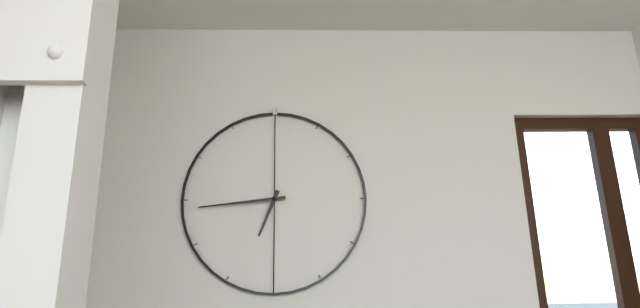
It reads 6.44
